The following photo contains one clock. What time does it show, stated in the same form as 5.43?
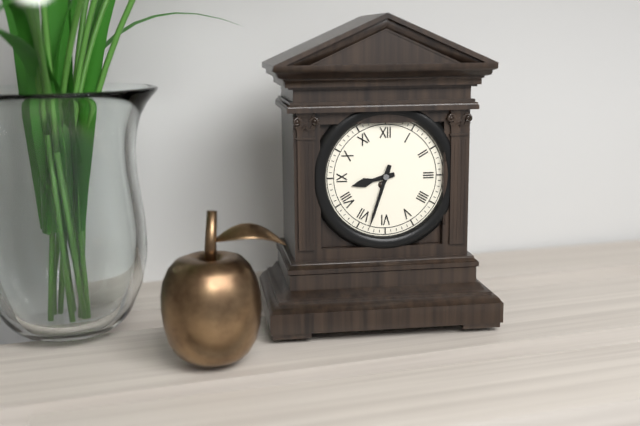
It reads 8.33
